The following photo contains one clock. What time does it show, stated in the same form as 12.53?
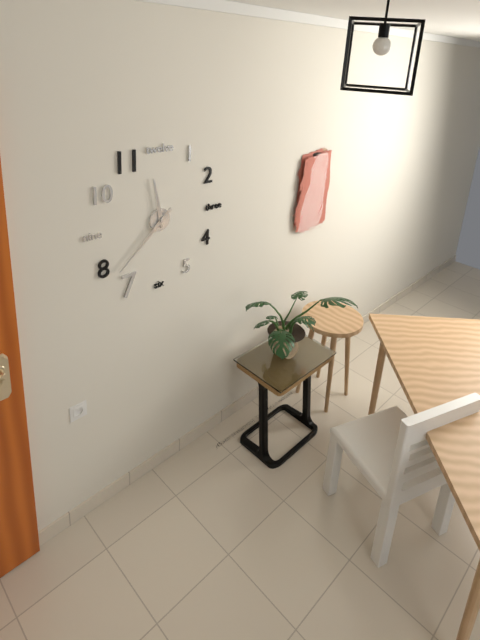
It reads 11.38
